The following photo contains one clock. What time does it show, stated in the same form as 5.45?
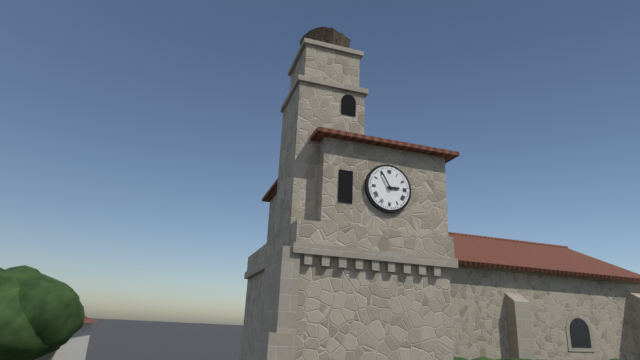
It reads 2.55
